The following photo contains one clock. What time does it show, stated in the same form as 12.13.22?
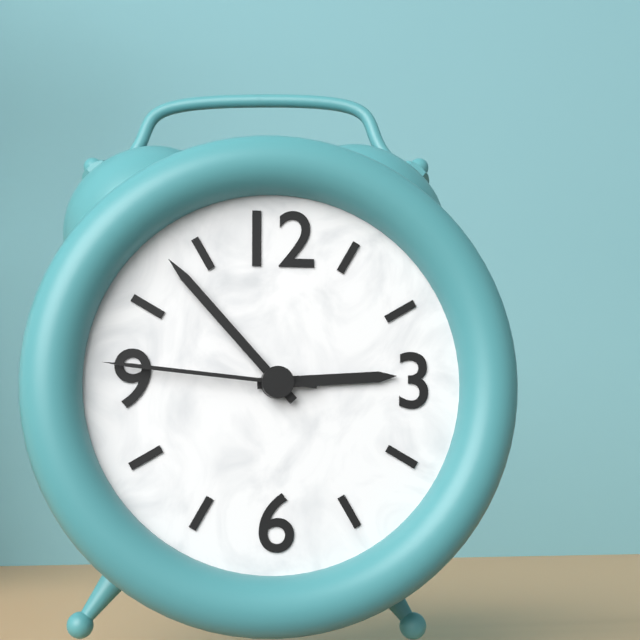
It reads 2.53.46
